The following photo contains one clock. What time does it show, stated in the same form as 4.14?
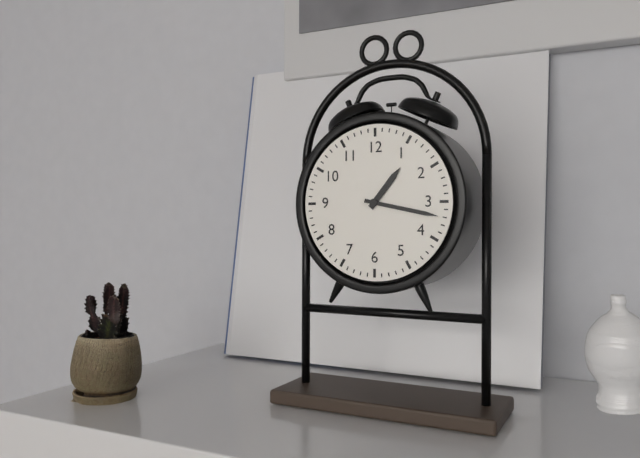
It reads 1.17
